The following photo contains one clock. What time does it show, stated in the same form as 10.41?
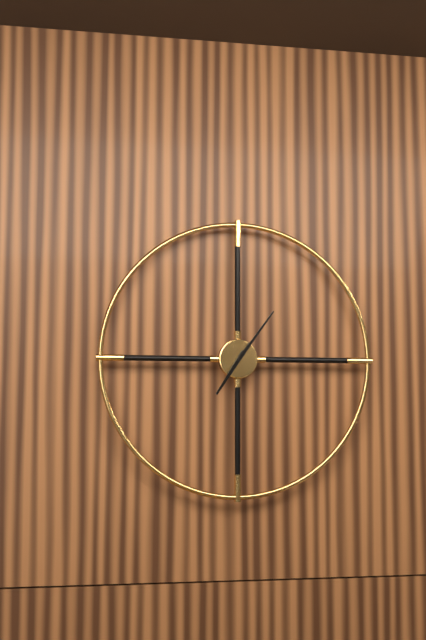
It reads 7.06
